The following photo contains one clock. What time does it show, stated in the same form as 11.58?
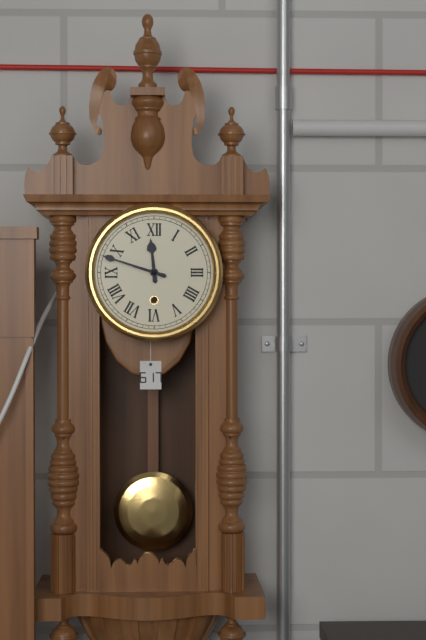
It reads 11.48
